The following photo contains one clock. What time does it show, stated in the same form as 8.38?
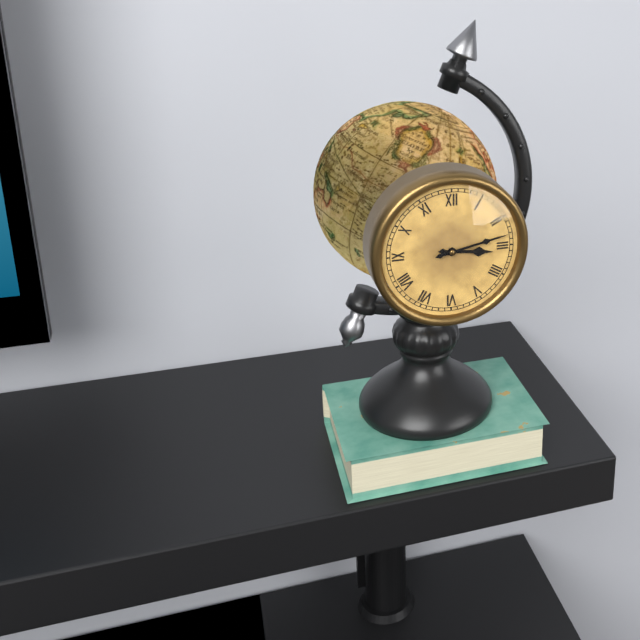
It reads 3.13
